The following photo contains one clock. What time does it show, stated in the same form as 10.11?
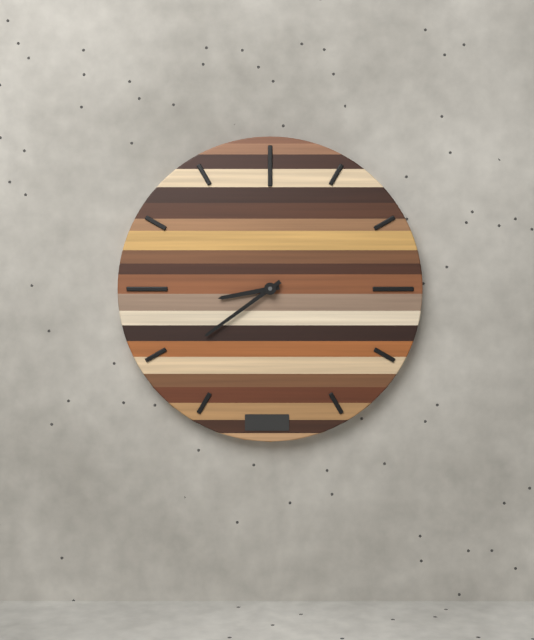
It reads 8.39
